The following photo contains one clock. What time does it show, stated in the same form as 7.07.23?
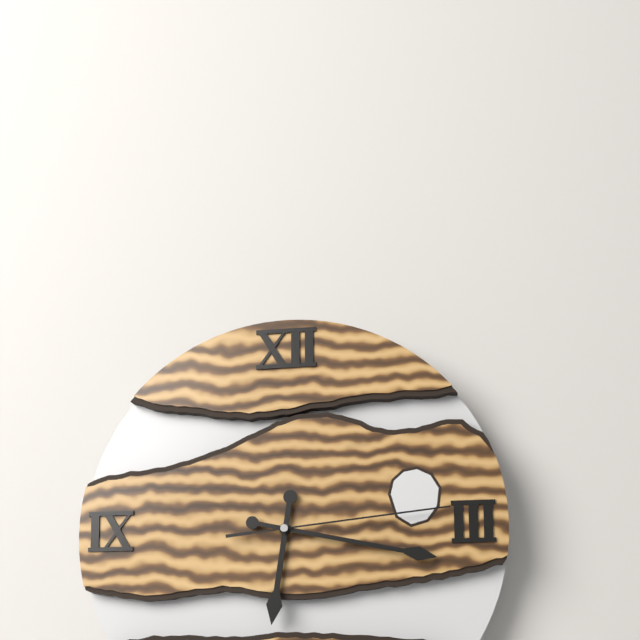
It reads 6.17.14
